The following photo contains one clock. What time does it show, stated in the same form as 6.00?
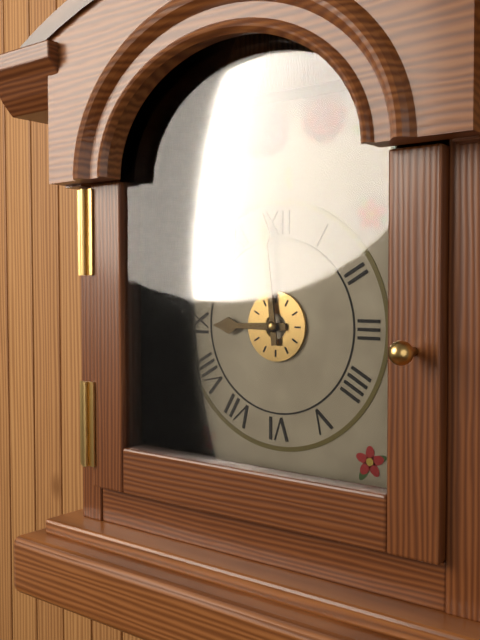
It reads 8.59
